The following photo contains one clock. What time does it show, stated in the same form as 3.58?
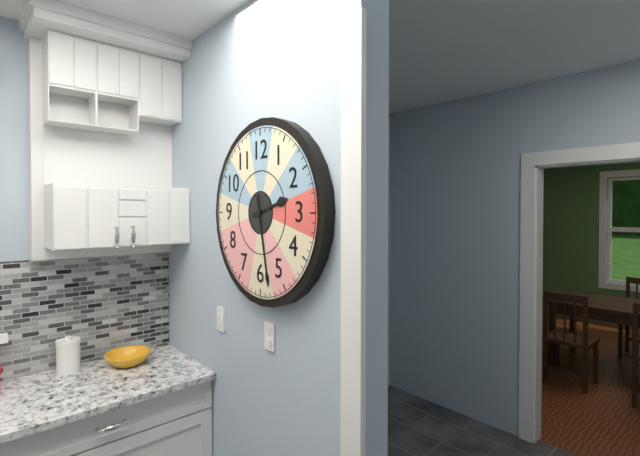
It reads 2.28
